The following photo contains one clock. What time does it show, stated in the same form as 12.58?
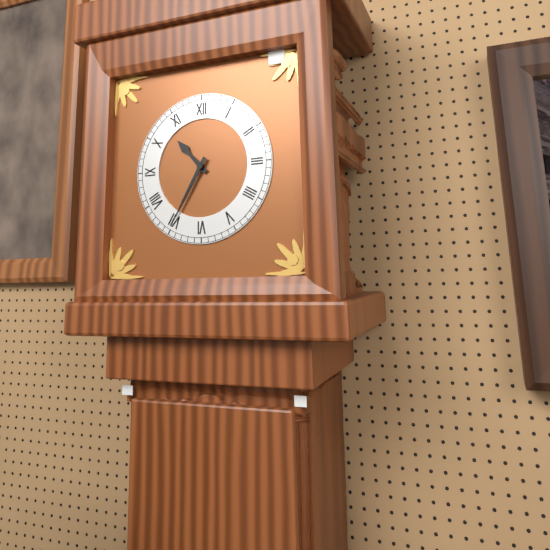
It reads 10.35
